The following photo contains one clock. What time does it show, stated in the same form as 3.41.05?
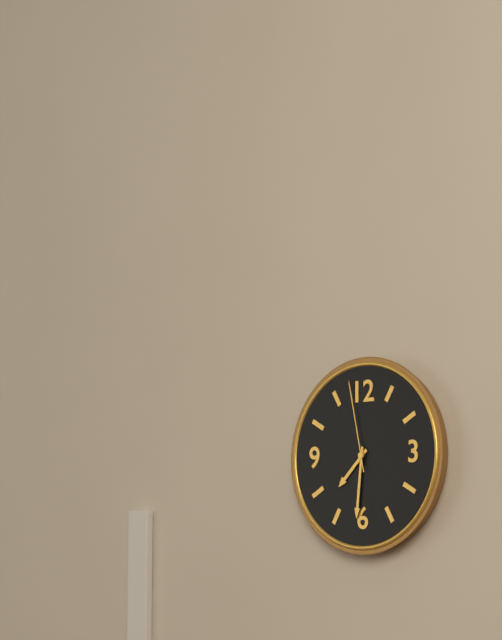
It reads 7.31.58
